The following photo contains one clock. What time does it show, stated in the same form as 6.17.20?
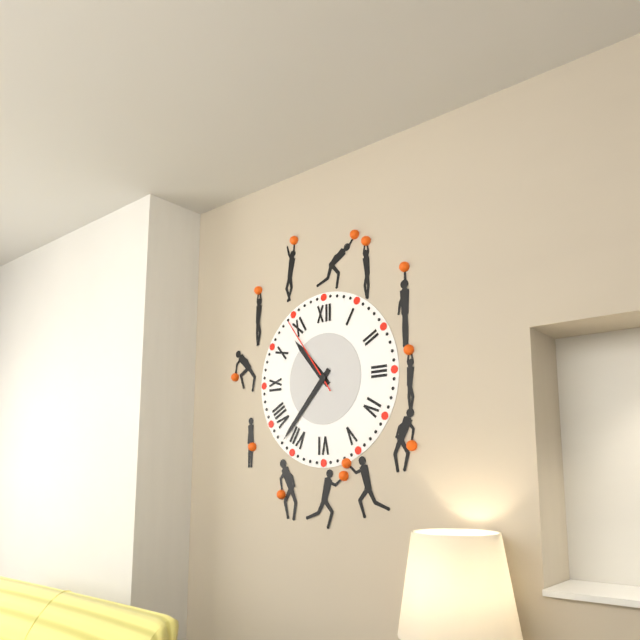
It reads 10.37.54
